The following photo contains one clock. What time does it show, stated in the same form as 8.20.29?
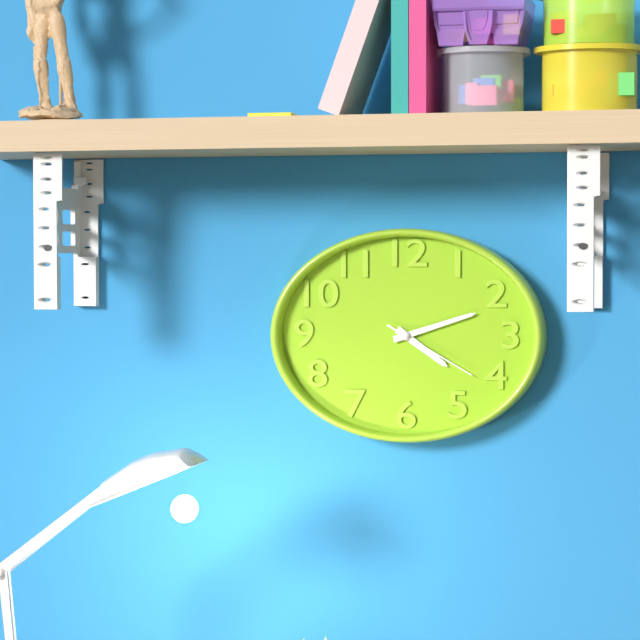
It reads 4.12.20
